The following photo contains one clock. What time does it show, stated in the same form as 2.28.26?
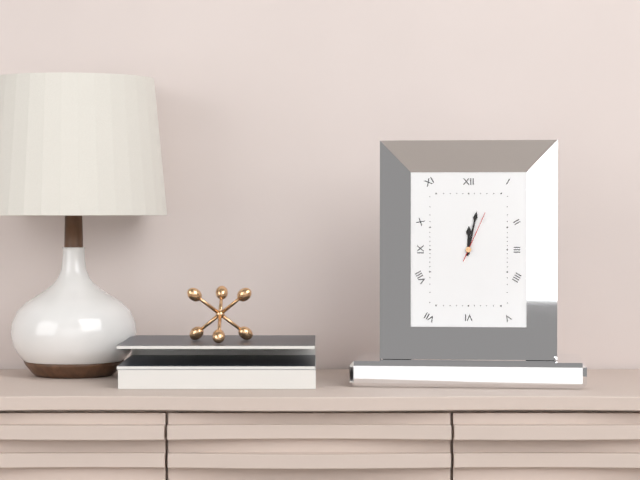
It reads 12.02.04
